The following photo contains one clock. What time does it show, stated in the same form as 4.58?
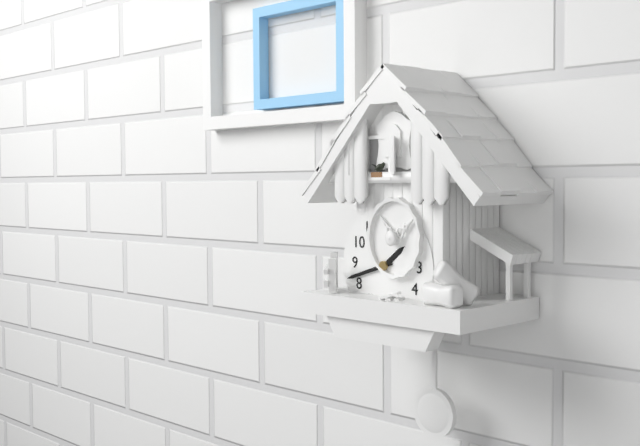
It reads 1.42
